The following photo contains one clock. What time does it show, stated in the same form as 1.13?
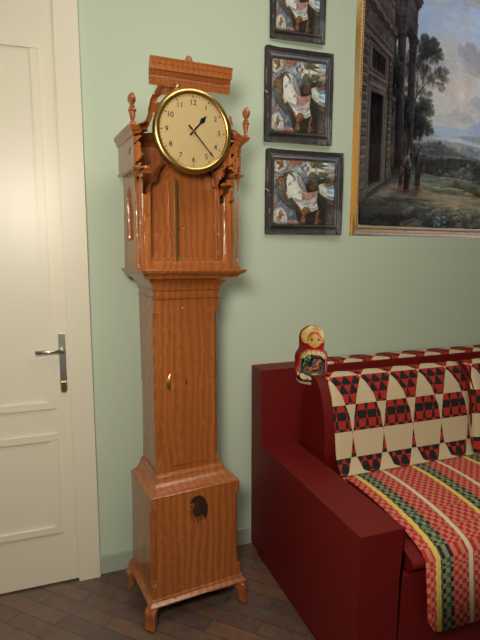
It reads 1.23
